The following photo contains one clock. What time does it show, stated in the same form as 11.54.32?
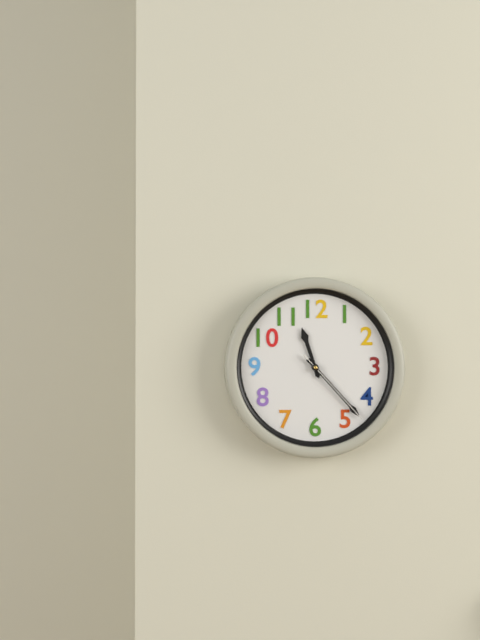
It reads 11.23.23
